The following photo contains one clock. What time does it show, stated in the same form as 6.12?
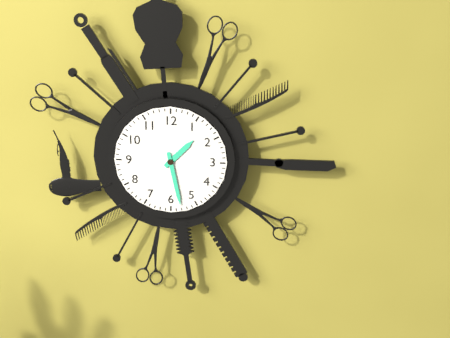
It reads 1.28
